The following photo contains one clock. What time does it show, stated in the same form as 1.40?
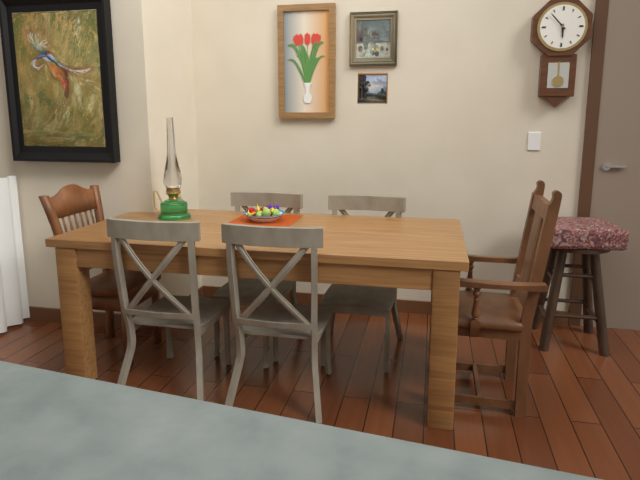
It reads 5.53
